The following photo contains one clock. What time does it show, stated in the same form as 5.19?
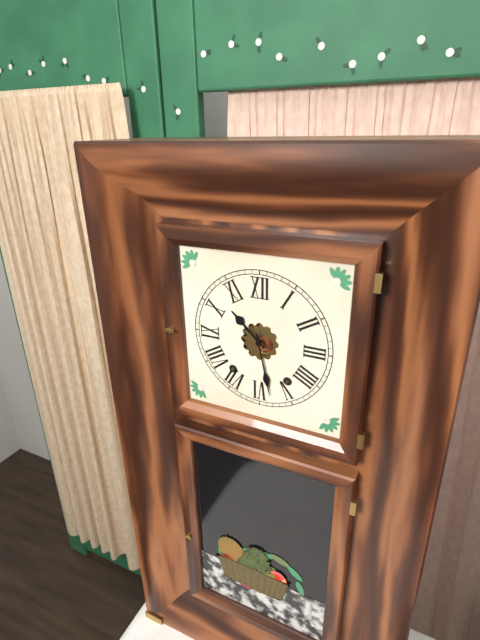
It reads 10.28
